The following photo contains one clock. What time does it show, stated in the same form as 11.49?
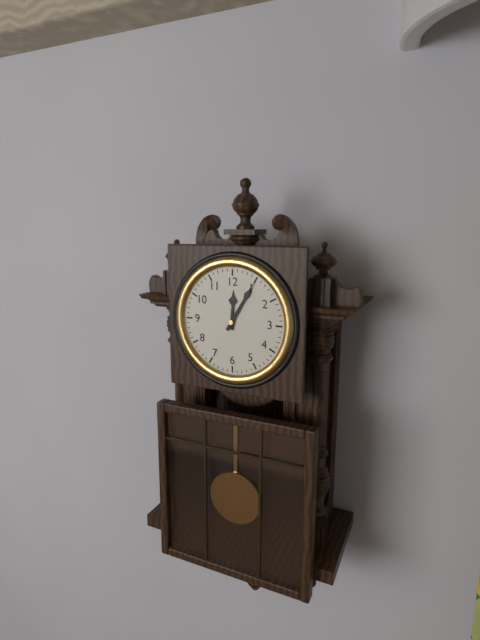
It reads 12.05
